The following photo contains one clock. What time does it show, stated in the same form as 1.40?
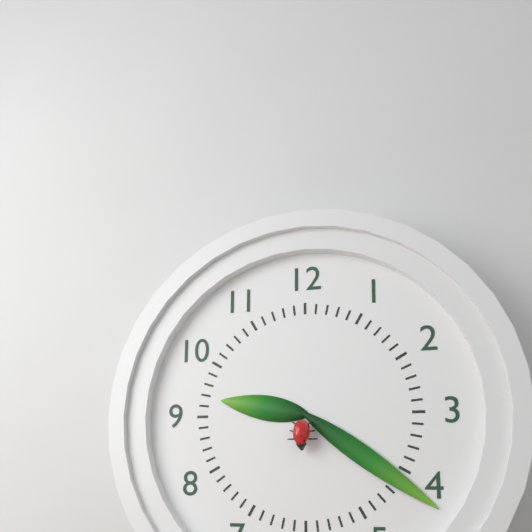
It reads 9.21
